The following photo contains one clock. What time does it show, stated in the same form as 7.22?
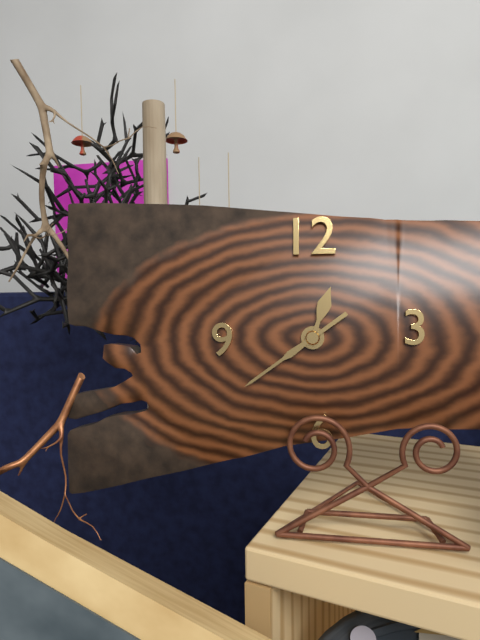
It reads 12.39
